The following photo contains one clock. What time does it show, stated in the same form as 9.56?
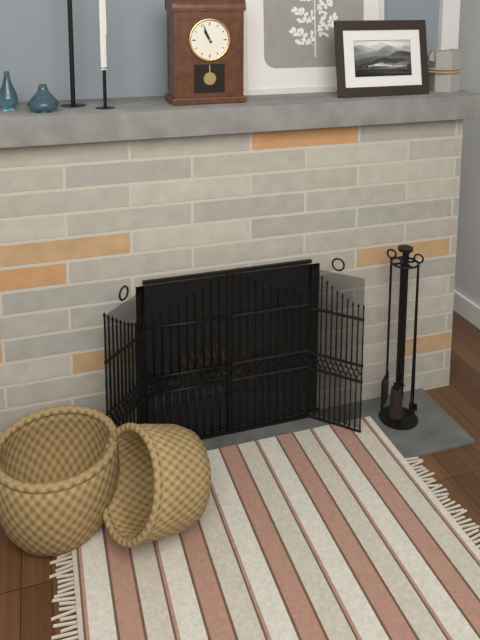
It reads 10.56
